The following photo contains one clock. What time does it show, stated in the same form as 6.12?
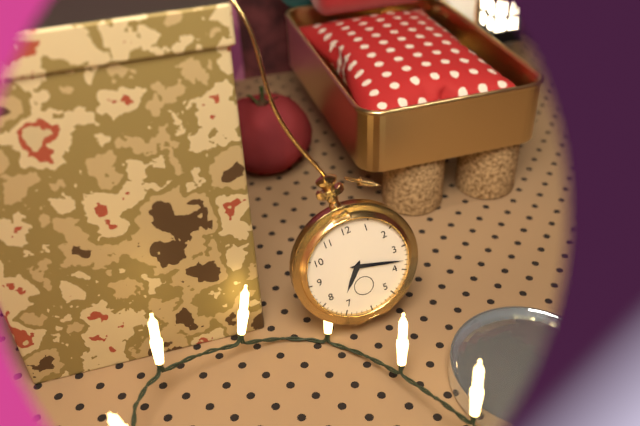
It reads 7.18
